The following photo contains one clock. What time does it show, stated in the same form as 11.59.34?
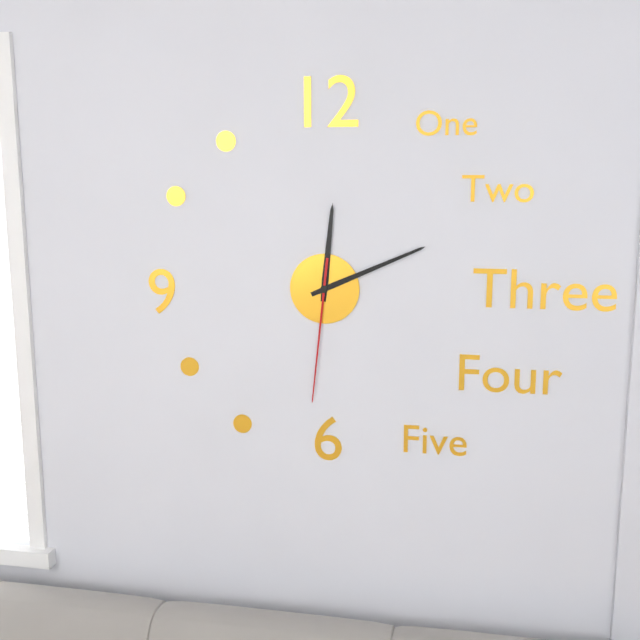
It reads 12.11.31
